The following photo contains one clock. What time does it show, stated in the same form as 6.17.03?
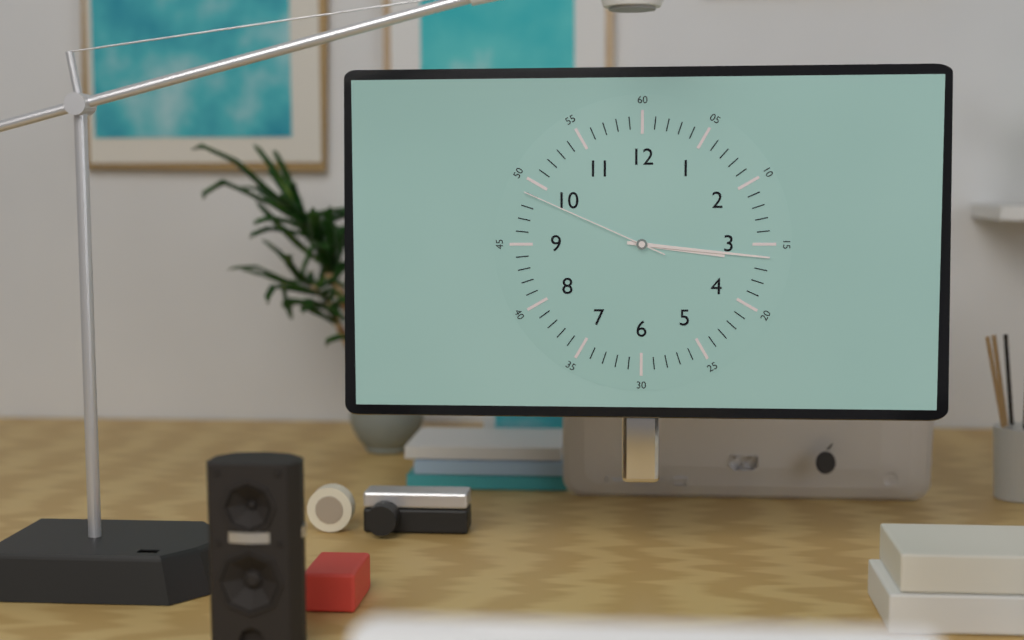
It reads 3.16.49
